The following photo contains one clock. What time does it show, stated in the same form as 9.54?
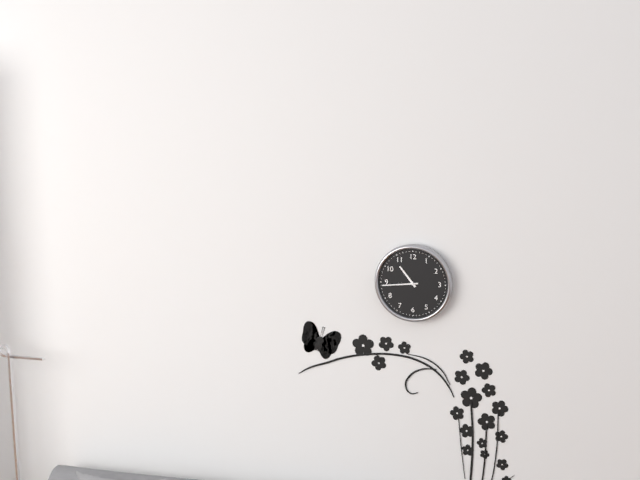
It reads 10.44
